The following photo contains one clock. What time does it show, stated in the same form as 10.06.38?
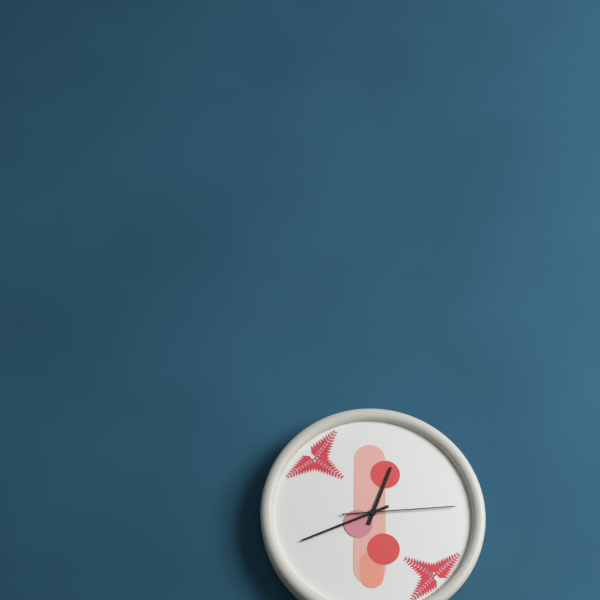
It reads 12.41.14
